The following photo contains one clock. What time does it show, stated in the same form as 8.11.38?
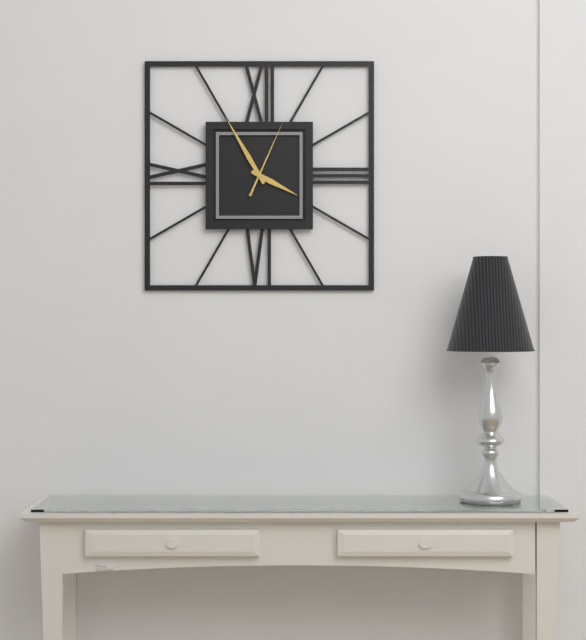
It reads 3.55.04
